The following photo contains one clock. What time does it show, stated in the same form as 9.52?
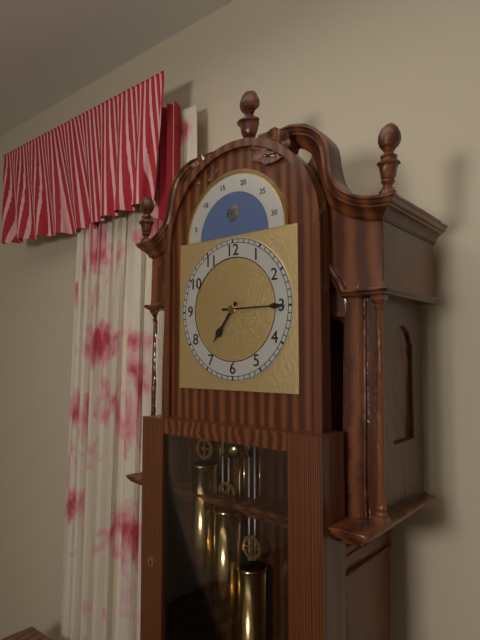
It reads 7.15
